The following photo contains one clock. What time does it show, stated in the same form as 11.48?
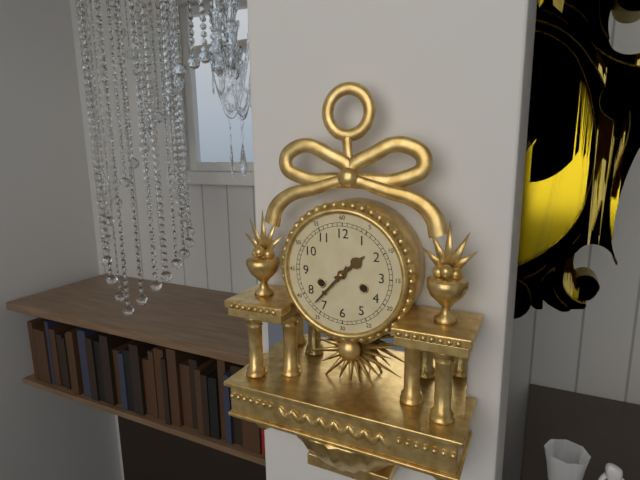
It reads 1.37
